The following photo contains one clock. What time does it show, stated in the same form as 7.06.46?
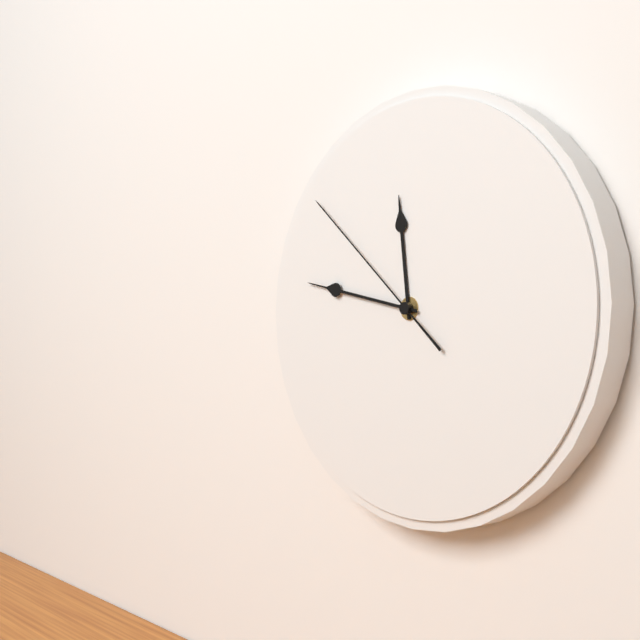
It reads 11.47.52
